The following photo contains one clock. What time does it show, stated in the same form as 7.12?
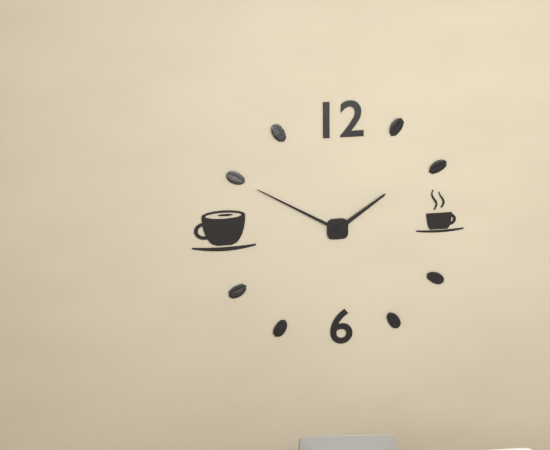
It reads 1.50
